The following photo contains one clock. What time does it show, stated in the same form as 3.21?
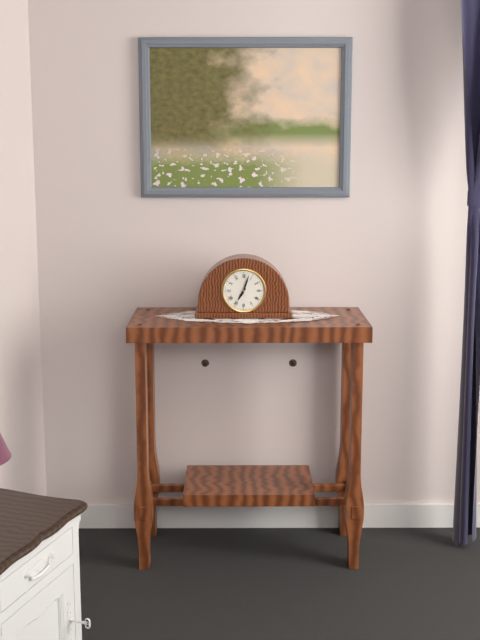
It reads 7.03
